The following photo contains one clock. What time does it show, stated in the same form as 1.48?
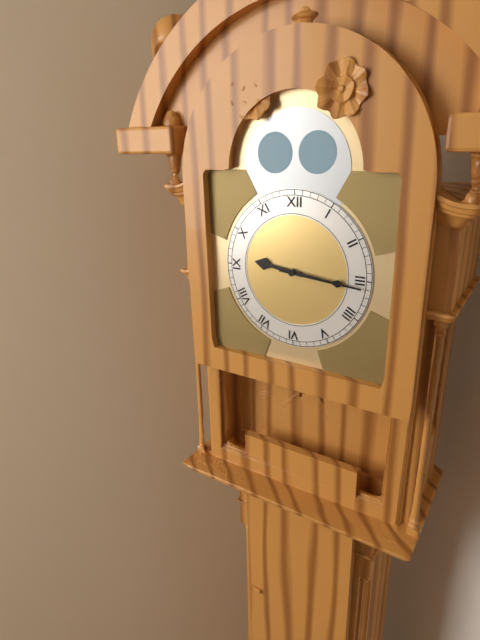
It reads 9.16
